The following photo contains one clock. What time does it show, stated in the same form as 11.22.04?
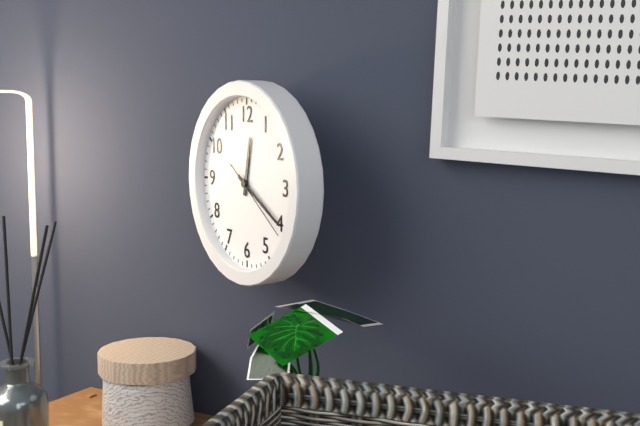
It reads 12.20.21
